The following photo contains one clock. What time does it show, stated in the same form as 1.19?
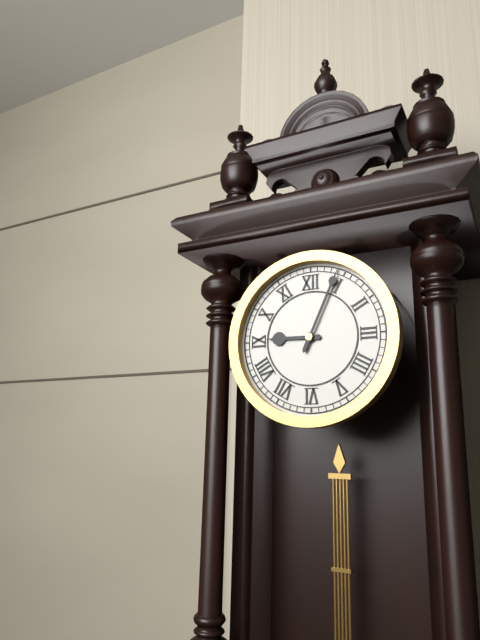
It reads 9.04
